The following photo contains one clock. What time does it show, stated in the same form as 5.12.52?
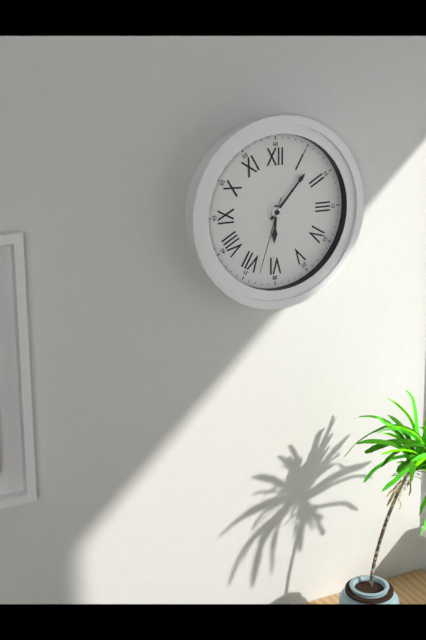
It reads 6.07.33
